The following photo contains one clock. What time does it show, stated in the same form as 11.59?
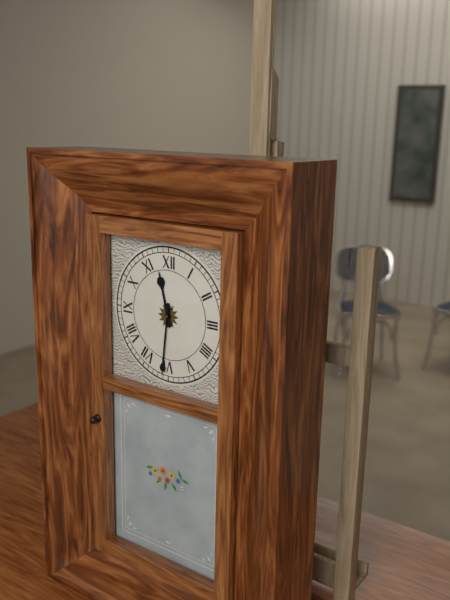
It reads 11.31
